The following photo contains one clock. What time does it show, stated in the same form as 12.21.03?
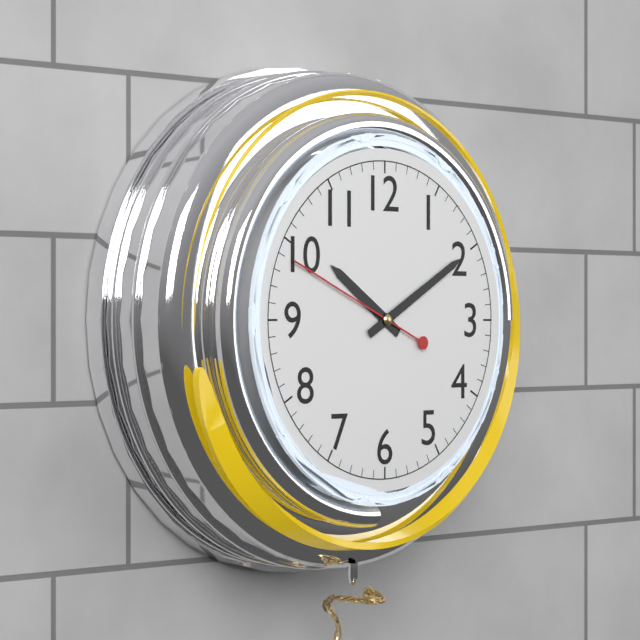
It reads 10.10.49
